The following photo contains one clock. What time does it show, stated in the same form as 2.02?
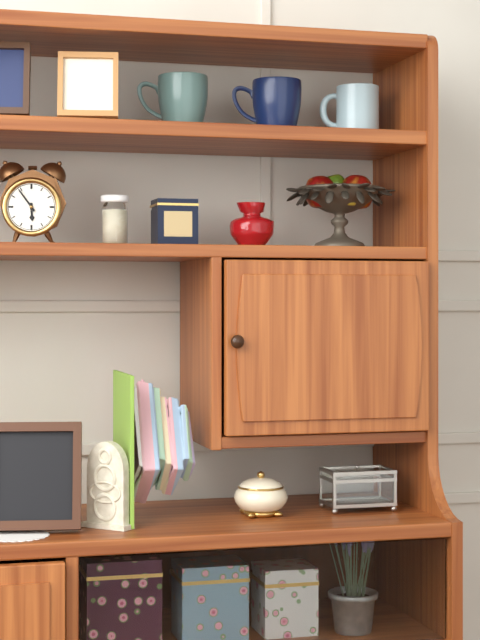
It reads 5.54
